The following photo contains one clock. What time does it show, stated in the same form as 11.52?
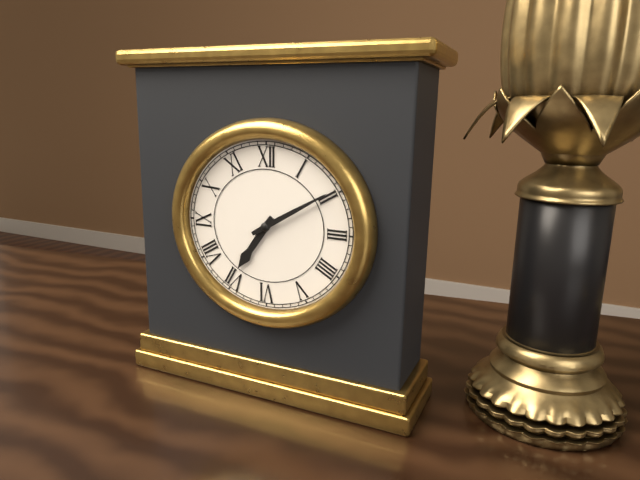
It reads 7.10
